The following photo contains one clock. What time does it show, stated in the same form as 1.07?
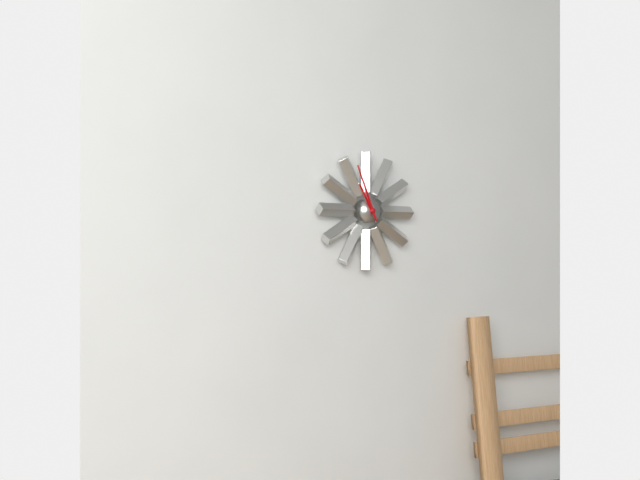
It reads 10.56
